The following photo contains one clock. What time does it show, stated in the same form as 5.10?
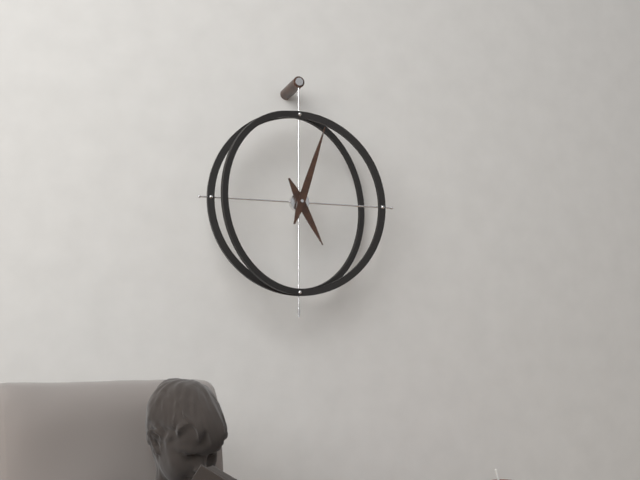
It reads 5.03
